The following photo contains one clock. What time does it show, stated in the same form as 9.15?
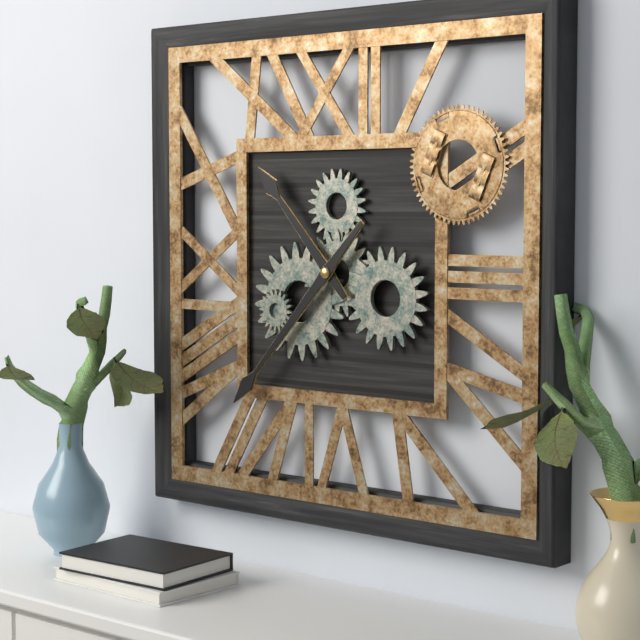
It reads 10.37
